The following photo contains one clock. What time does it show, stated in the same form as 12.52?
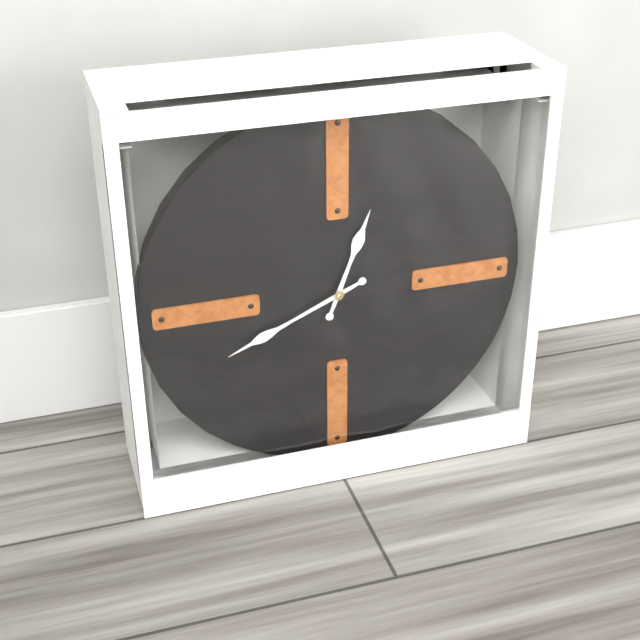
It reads 12.41
